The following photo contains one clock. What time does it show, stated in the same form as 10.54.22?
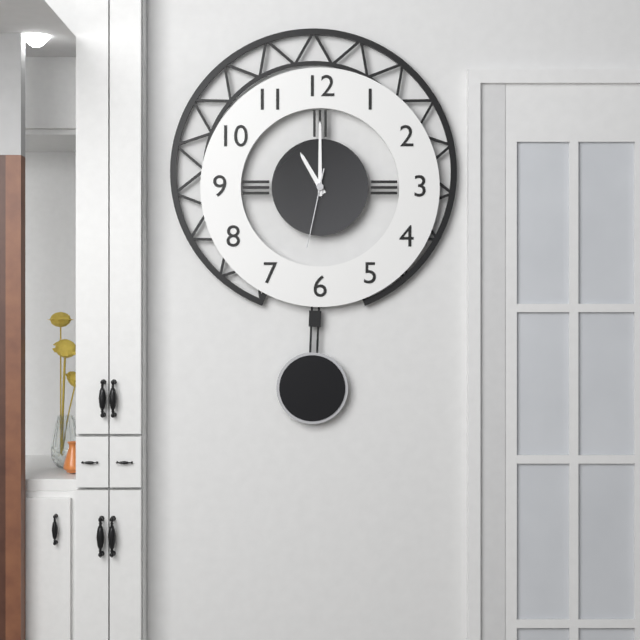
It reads 11.00.32
